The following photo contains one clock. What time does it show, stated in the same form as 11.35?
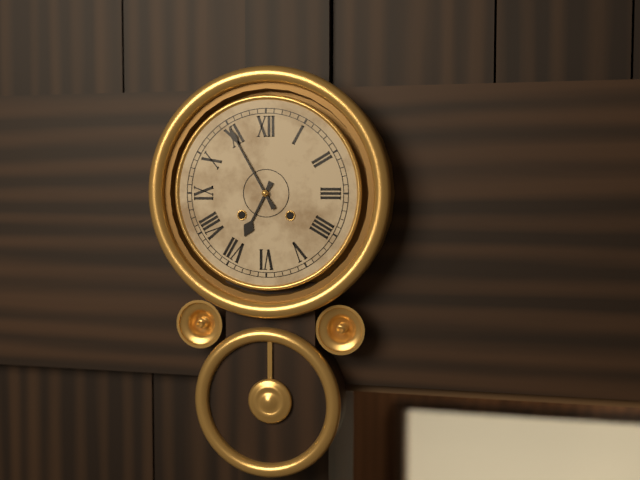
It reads 6.55
